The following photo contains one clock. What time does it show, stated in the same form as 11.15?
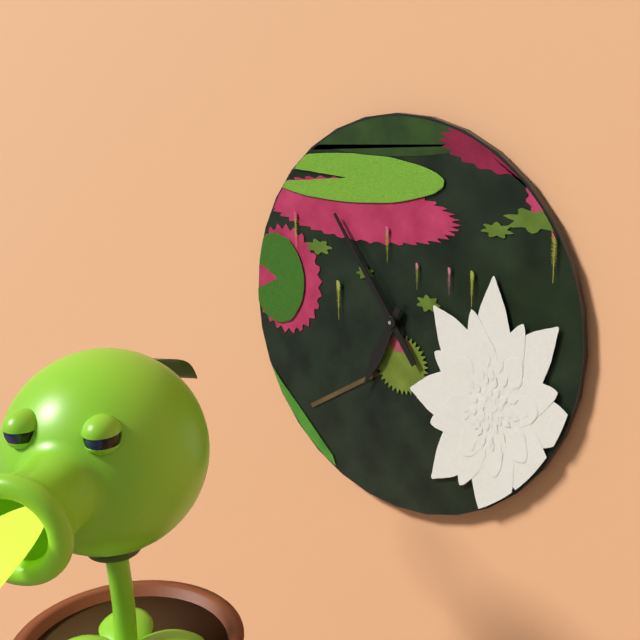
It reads 6.54
